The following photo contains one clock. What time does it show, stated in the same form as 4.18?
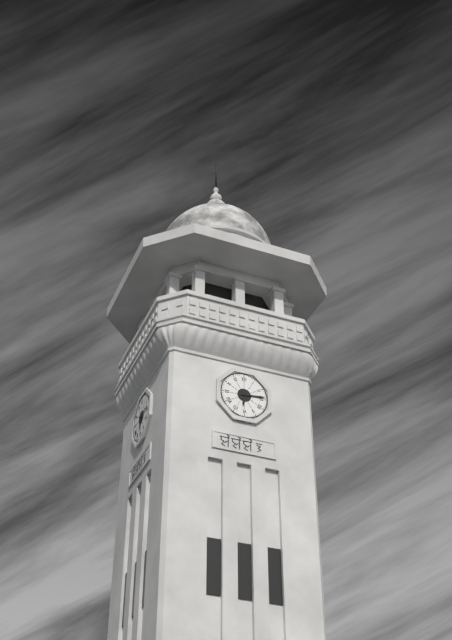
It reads 6.14
